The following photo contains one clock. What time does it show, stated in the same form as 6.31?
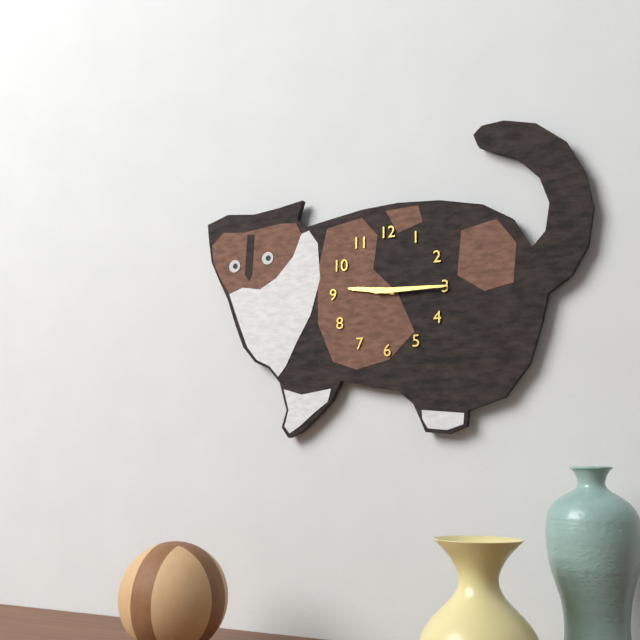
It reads 9.15
